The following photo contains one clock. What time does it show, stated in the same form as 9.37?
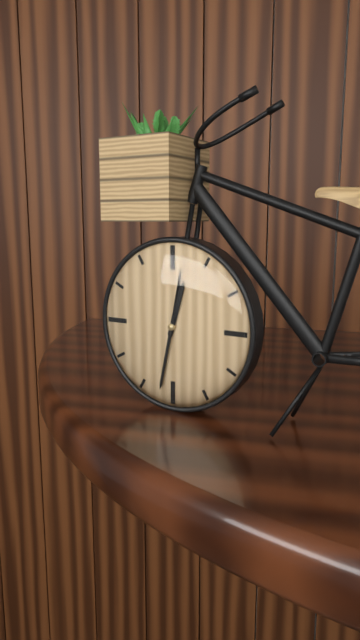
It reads 12.32
